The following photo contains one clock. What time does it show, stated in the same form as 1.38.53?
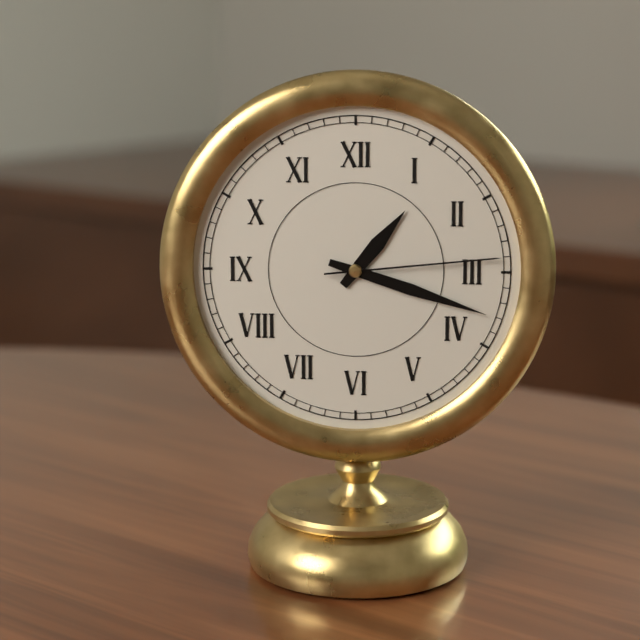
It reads 1.18.14
